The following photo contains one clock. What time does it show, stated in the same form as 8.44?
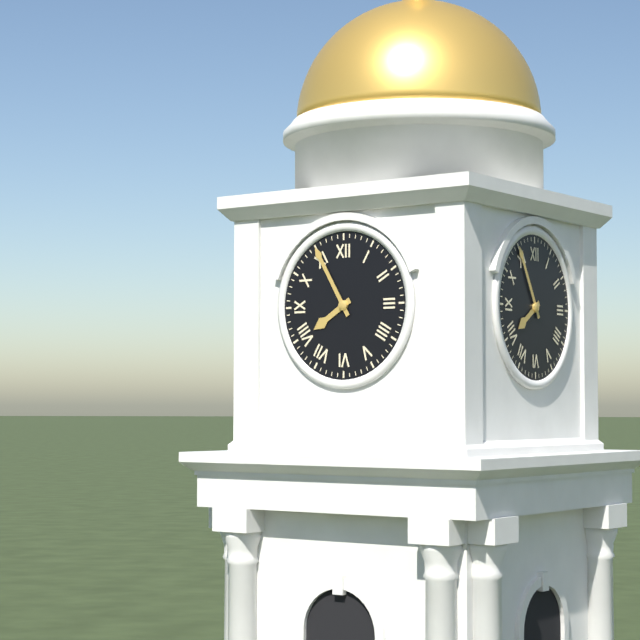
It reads 7.55
